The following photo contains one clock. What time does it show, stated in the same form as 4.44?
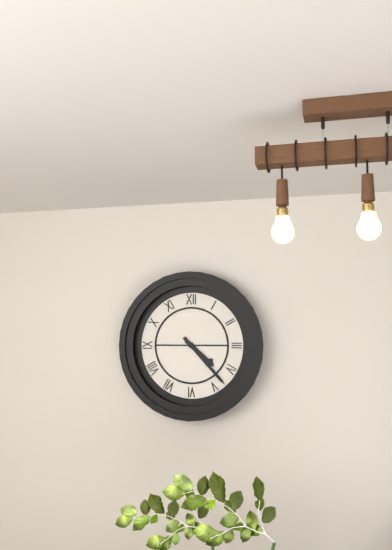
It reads 4.23
